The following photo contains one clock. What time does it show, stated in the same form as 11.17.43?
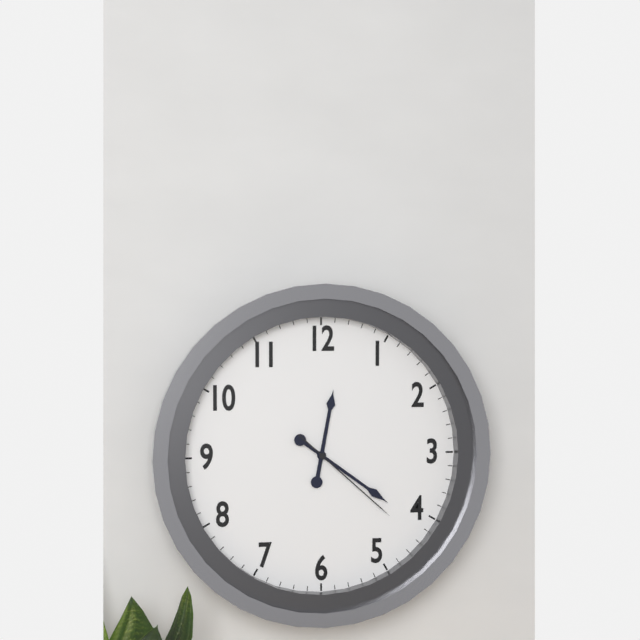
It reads 12.21.22
